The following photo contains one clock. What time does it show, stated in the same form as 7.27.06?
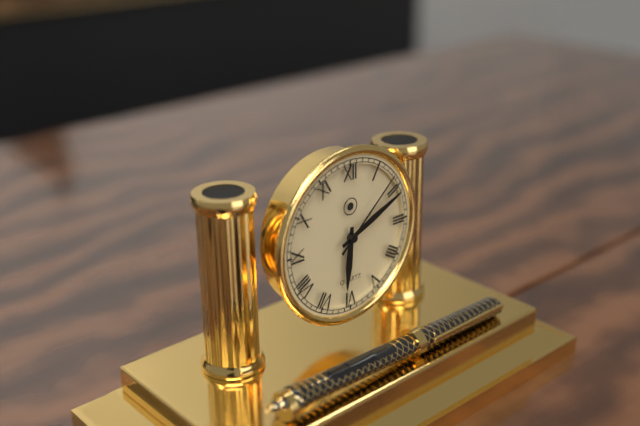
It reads 6.11.08
